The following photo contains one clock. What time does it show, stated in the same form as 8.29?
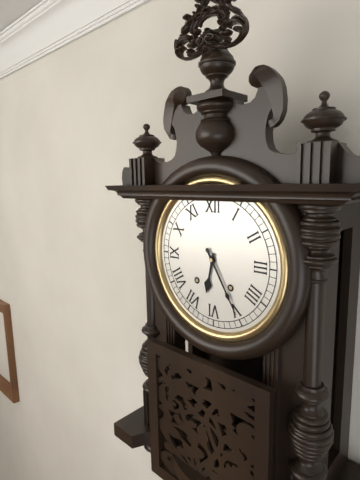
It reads 6.25
